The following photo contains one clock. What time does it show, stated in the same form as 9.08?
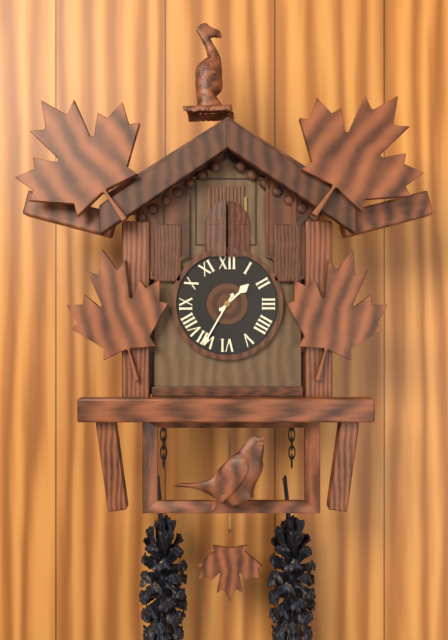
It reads 1.35
